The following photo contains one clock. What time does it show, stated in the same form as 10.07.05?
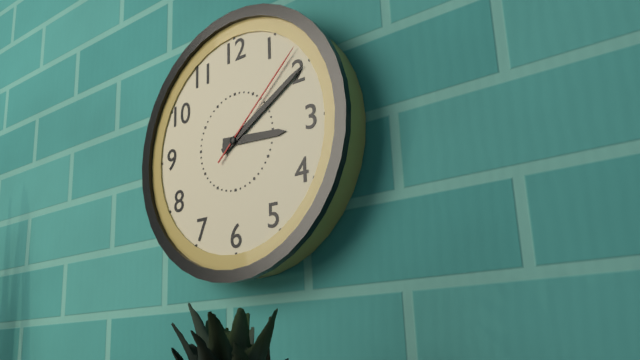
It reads 3.10.08
